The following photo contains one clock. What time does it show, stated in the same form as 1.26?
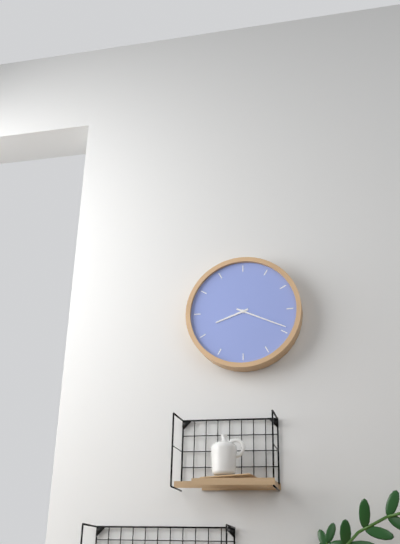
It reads 8.19
